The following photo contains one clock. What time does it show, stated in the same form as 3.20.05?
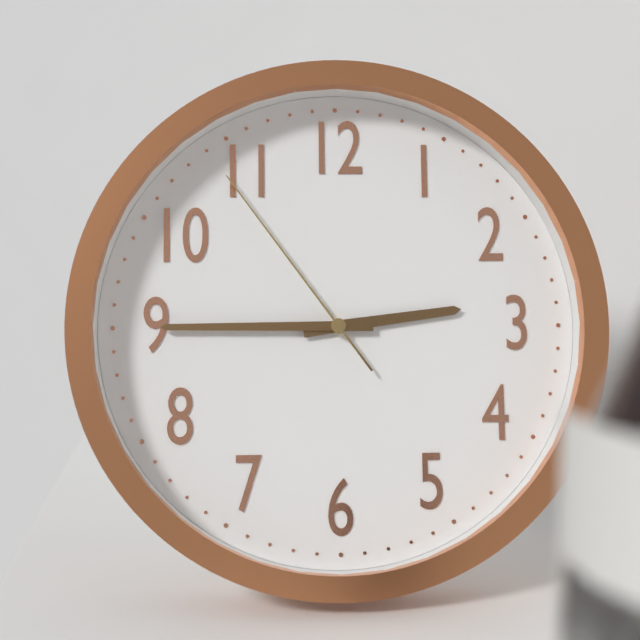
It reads 2.45.54
